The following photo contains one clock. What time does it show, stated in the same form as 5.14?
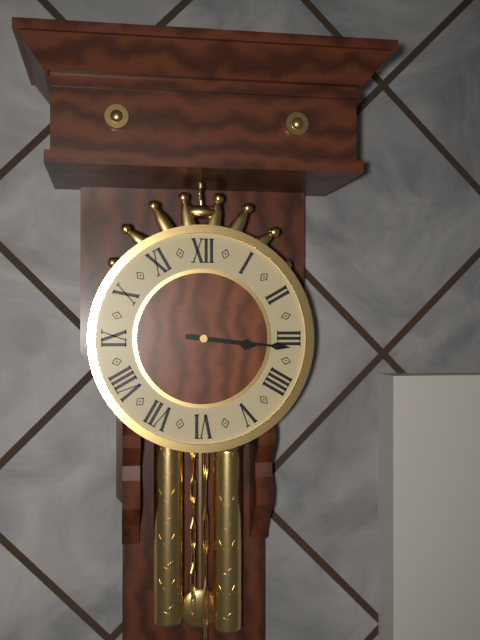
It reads 3.16
